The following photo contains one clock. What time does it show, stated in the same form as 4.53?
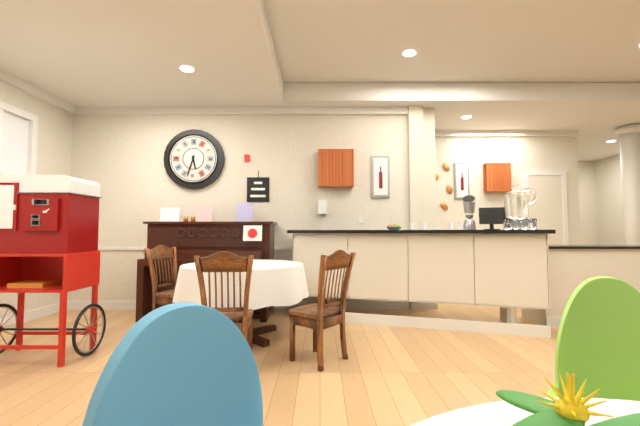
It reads 5.33
